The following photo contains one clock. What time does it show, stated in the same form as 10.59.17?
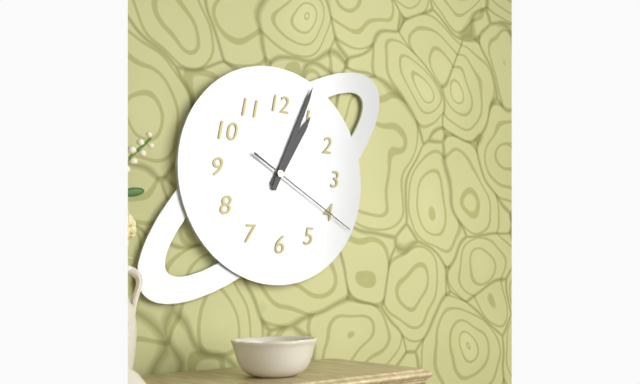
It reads 1.04.20
